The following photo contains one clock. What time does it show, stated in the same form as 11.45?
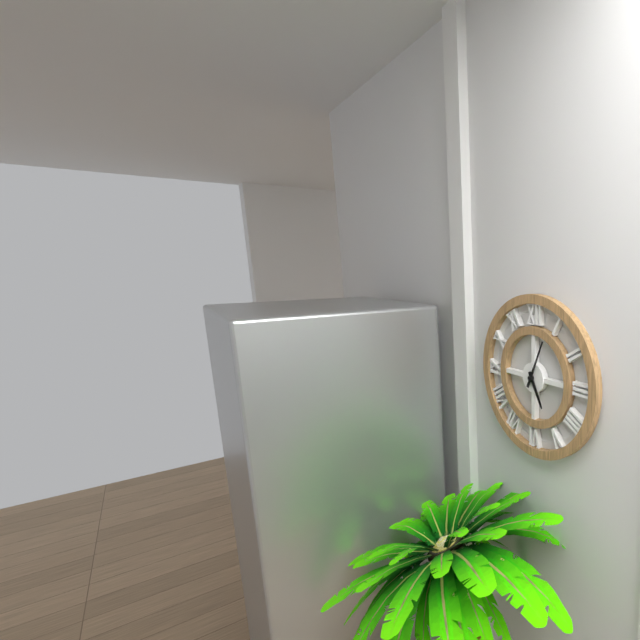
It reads 5.04
